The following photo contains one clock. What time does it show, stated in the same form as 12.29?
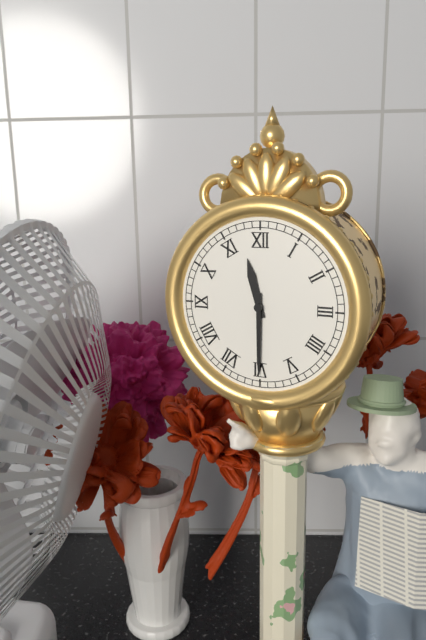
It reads 11.30
